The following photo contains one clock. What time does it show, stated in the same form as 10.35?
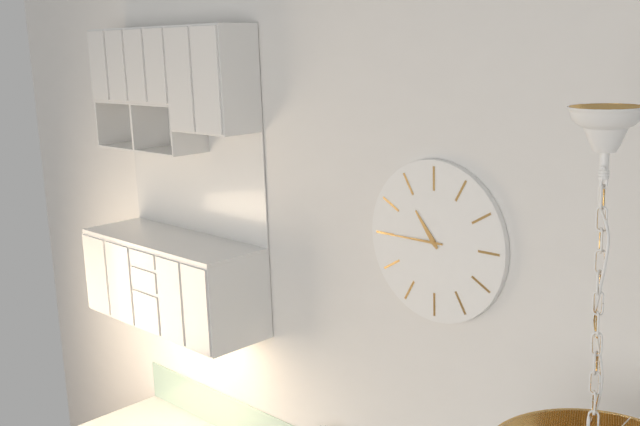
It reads 10.45
